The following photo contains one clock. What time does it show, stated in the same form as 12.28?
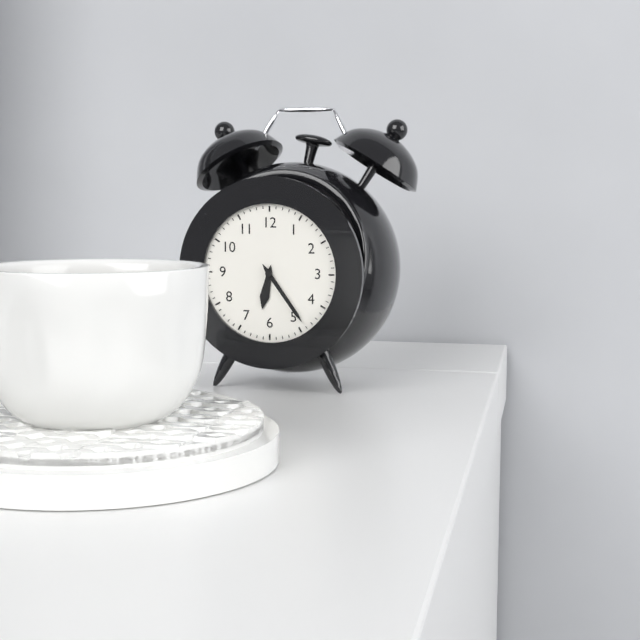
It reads 6.24
